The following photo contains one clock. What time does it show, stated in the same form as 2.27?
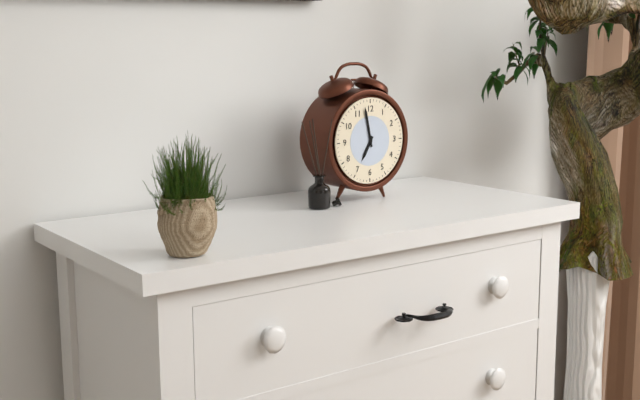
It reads 6.58
